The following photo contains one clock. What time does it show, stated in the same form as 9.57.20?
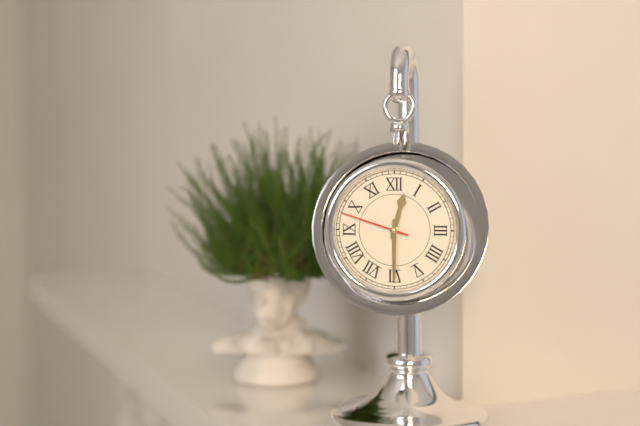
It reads 12.30.48
